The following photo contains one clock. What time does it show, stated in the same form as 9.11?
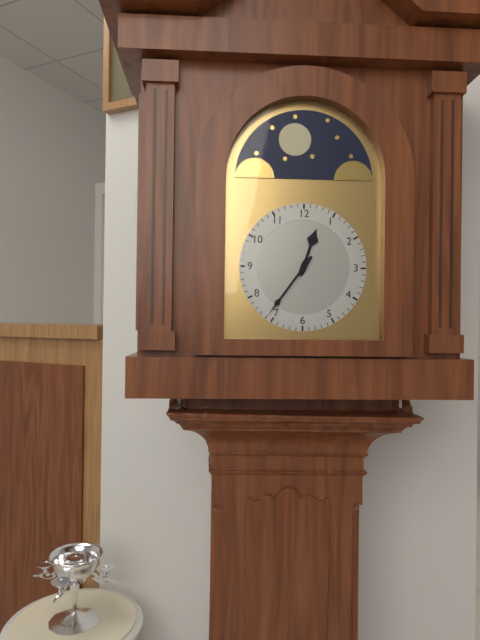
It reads 12.36
